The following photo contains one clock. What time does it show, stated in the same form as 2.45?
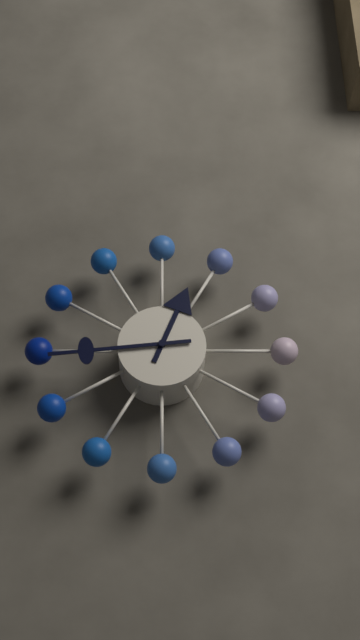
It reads 12.44
